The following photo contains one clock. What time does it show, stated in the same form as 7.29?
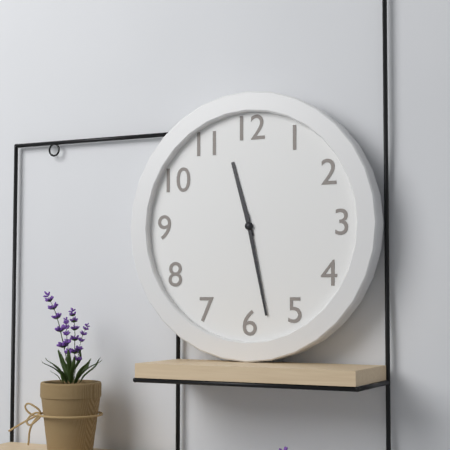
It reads 11.28
